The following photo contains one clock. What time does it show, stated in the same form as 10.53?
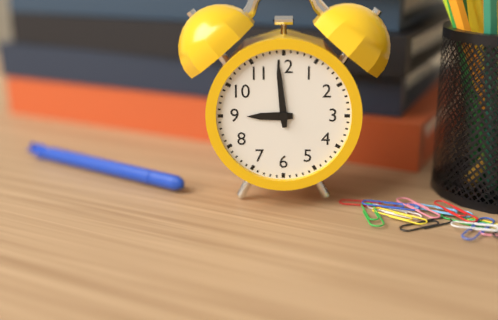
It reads 8.59
